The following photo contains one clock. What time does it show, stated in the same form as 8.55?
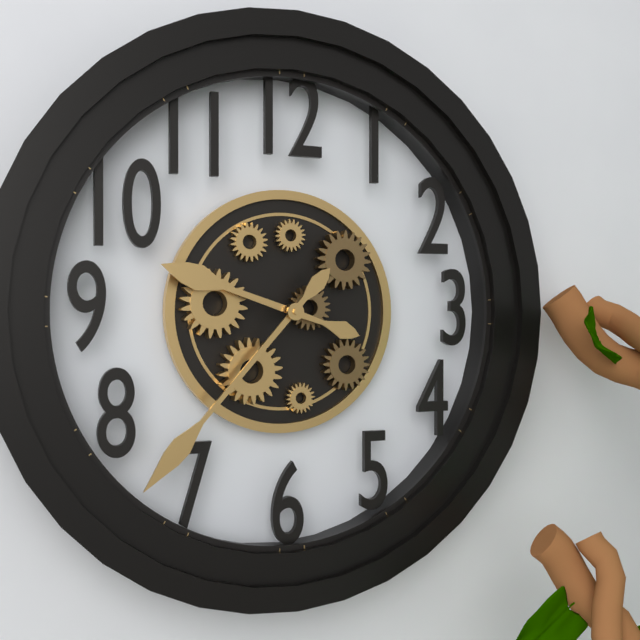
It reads 9.37
